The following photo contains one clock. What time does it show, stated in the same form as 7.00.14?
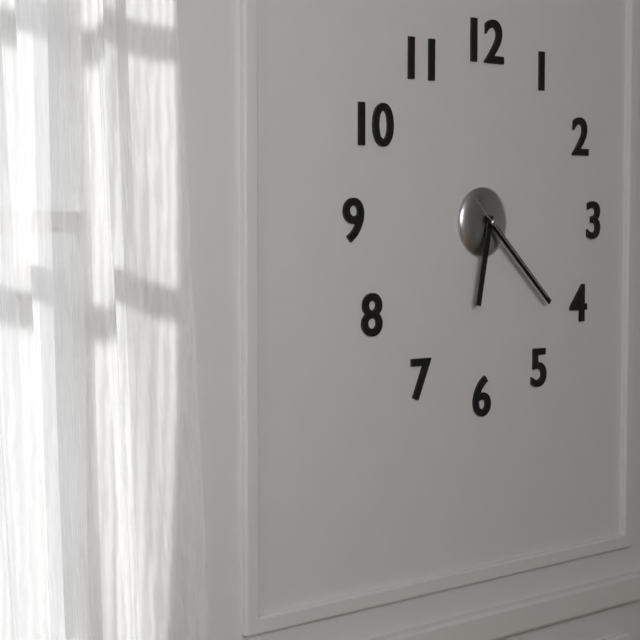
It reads 6.22.22
